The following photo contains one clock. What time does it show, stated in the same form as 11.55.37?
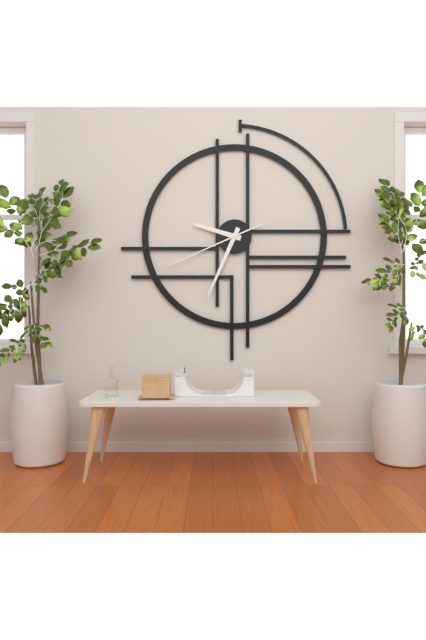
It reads 9.34.41
